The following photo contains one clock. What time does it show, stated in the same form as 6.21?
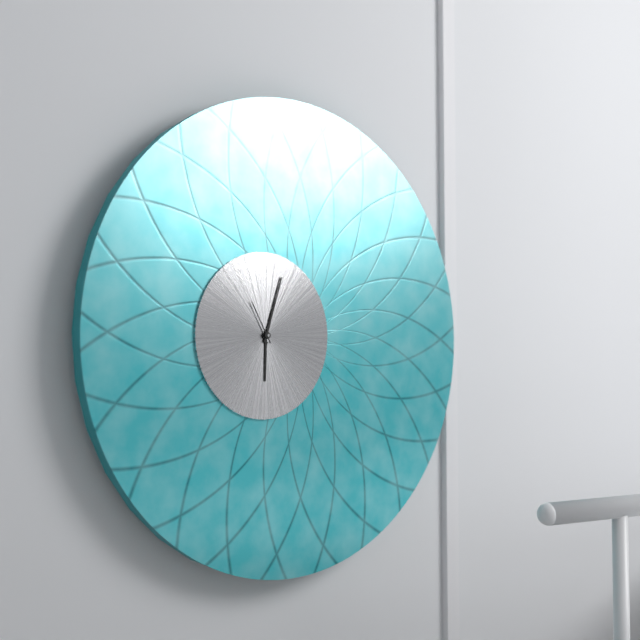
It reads 6.03
